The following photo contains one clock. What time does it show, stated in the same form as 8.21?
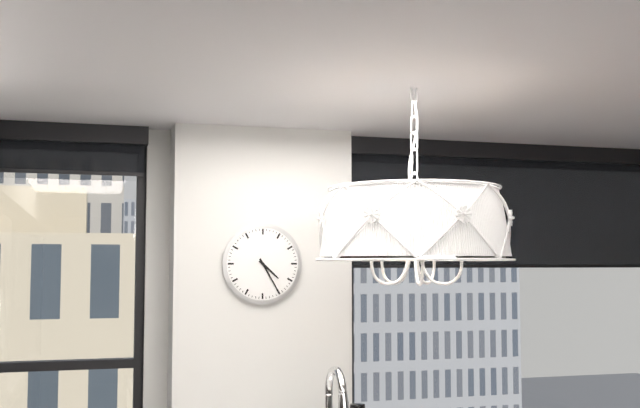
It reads 4.25
